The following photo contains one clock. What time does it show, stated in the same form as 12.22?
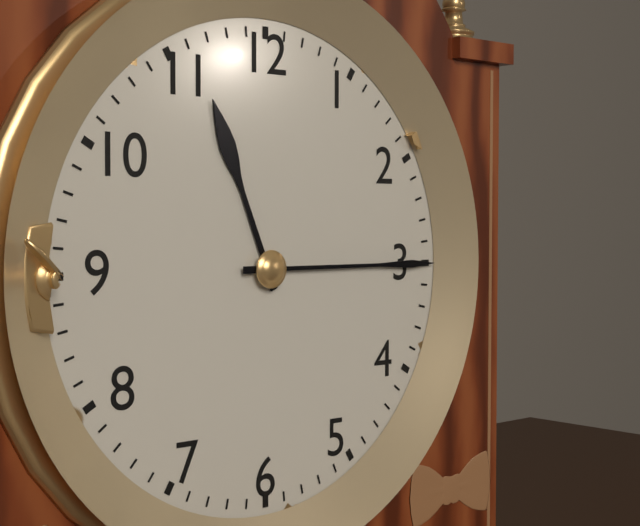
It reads 11.15
